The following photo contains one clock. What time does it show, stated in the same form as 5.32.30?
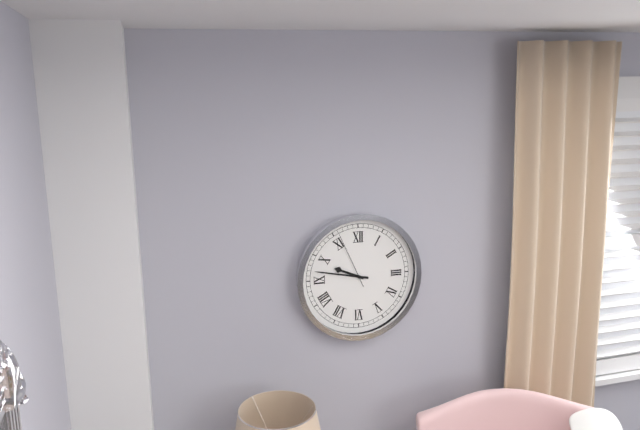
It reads 9.47.56
